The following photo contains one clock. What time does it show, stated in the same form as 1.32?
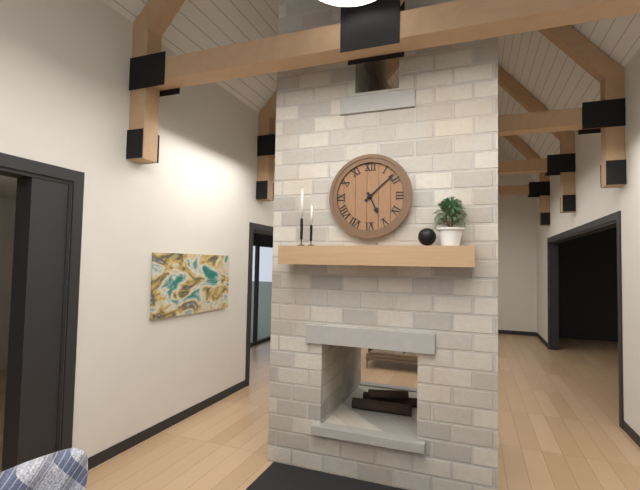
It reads 5.08
